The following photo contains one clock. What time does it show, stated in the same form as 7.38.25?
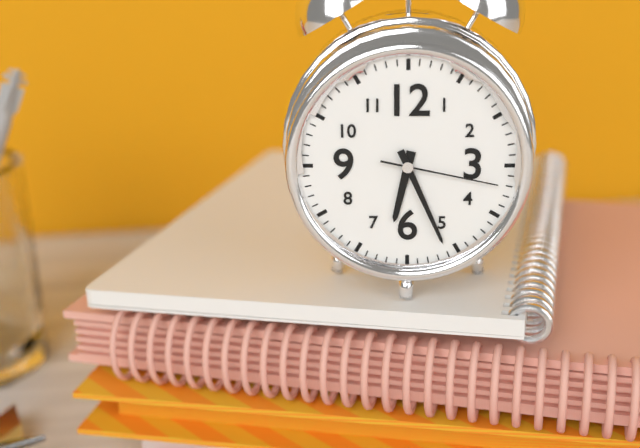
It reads 6.26.17
